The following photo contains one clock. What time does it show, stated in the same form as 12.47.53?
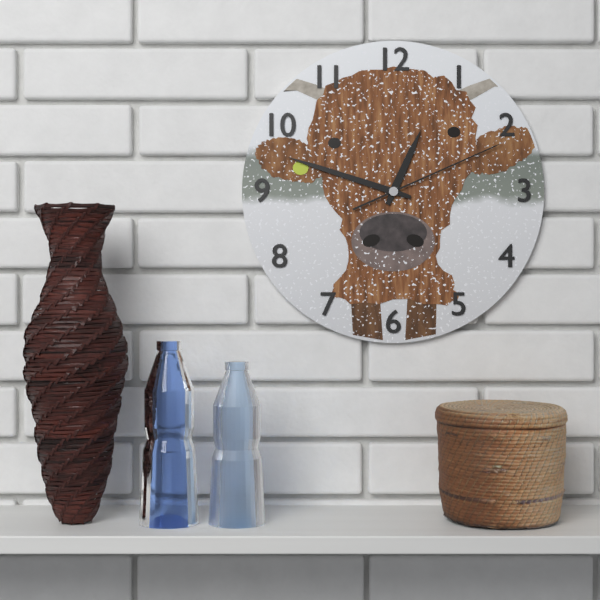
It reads 12.48.11
